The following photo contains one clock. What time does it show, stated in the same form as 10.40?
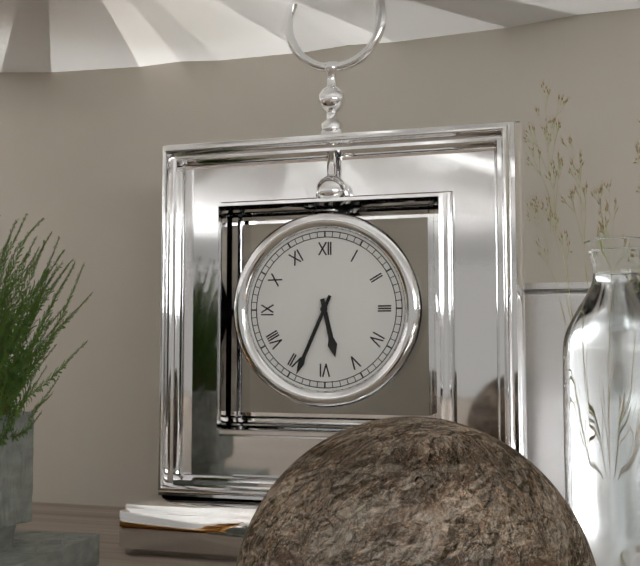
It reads 5.34
